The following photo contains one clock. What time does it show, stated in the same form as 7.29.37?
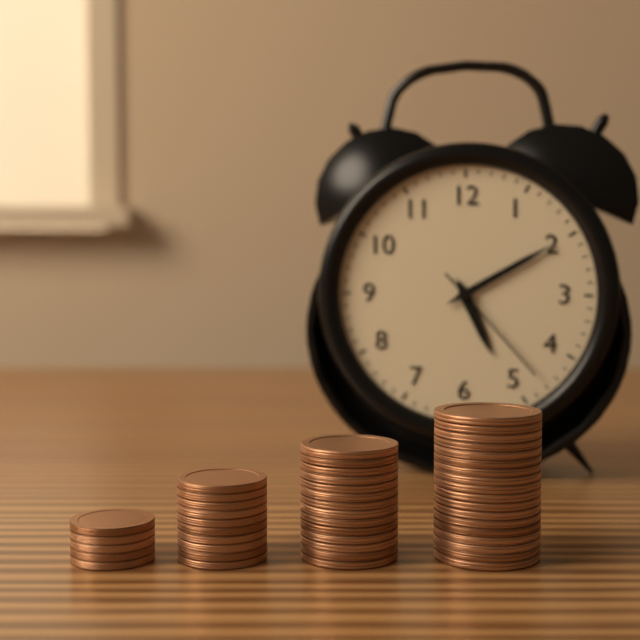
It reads 5.10.23
